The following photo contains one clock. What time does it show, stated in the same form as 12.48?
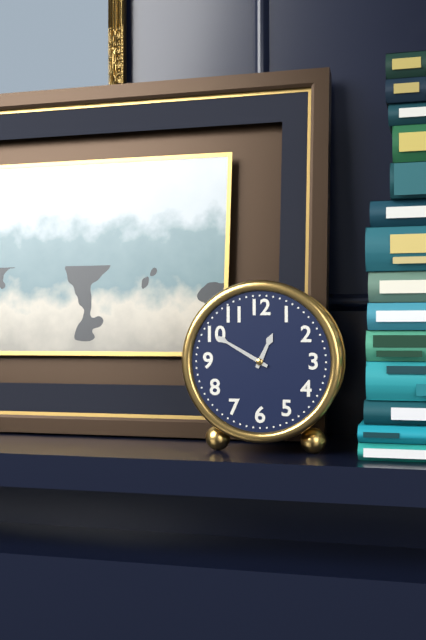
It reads 12.50
